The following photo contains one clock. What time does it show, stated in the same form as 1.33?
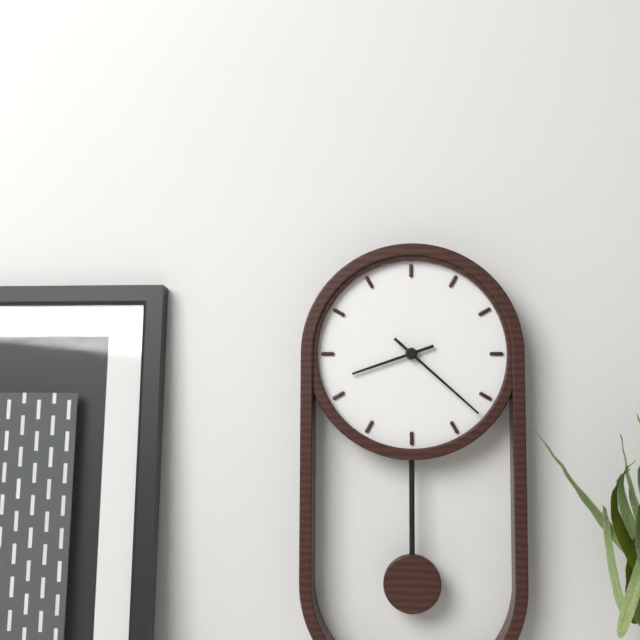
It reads 8.22
